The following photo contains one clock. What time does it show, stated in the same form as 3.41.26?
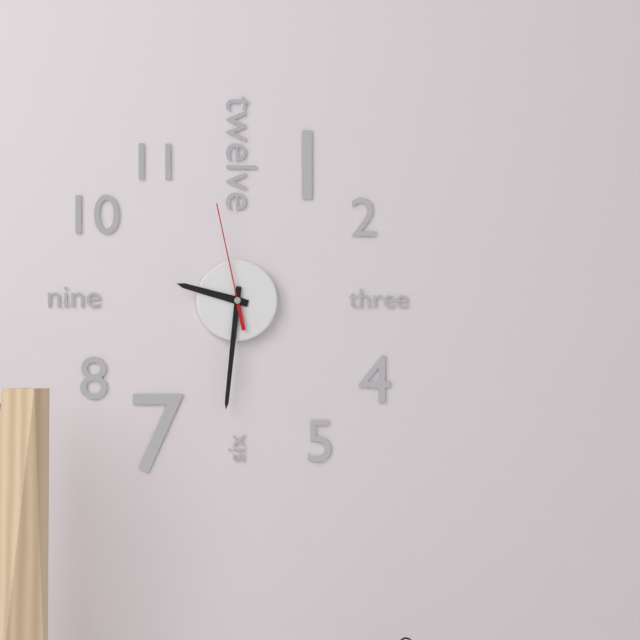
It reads 9.31.58
